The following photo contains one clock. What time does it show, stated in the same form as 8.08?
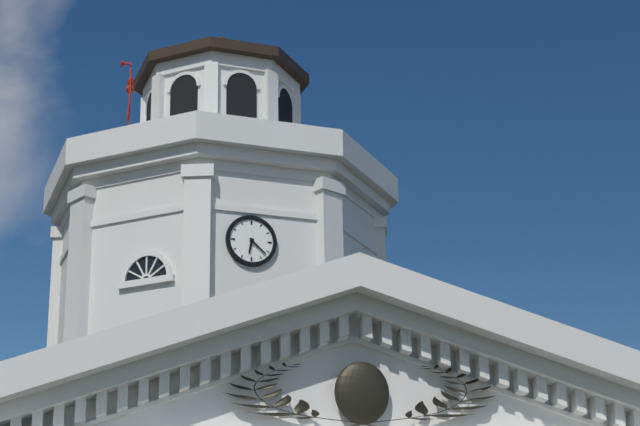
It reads 6.22
